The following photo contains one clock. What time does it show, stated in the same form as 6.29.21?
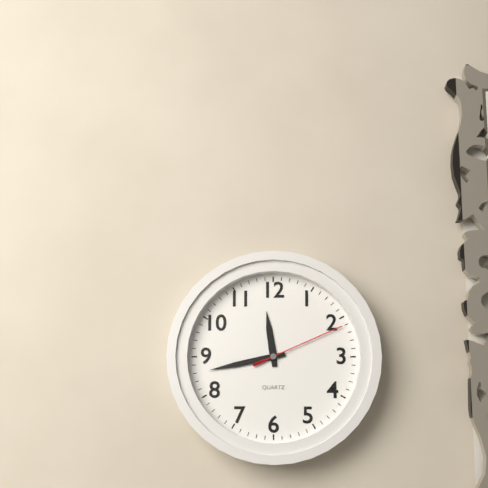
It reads 11.43.11
